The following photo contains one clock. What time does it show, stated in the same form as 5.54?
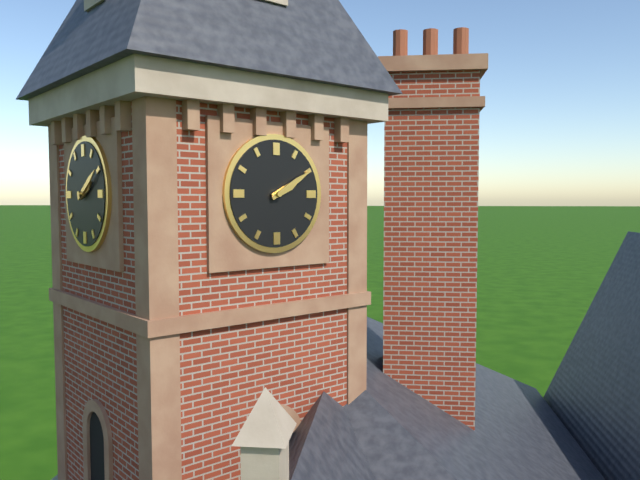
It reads 2.10
